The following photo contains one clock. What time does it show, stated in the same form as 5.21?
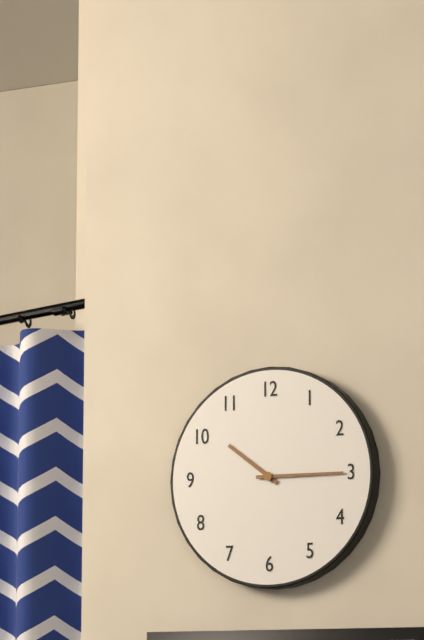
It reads 10.15
